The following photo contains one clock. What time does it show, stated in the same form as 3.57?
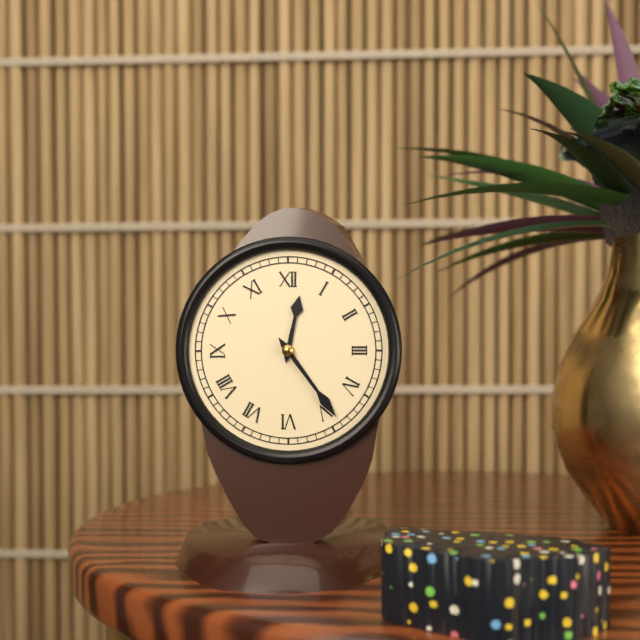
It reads 12.24
